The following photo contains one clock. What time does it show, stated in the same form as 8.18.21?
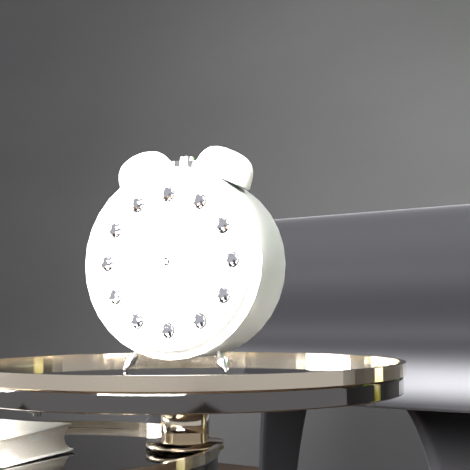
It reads 12.00.44
